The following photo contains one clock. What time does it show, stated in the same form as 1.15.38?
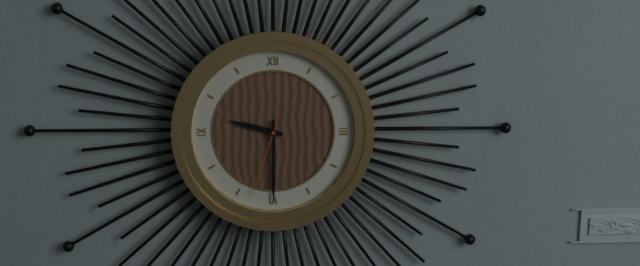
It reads 9.30.33
